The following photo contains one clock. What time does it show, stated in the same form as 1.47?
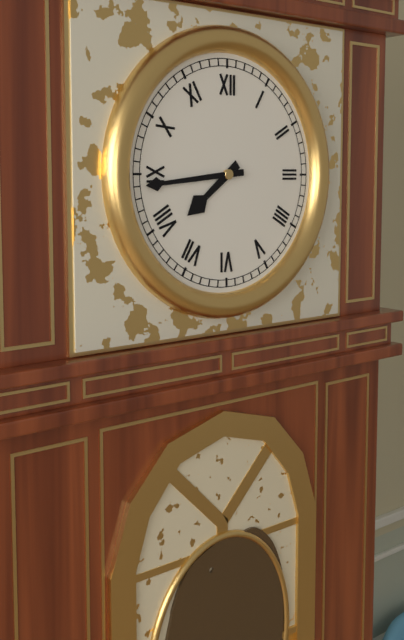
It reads 7.44
